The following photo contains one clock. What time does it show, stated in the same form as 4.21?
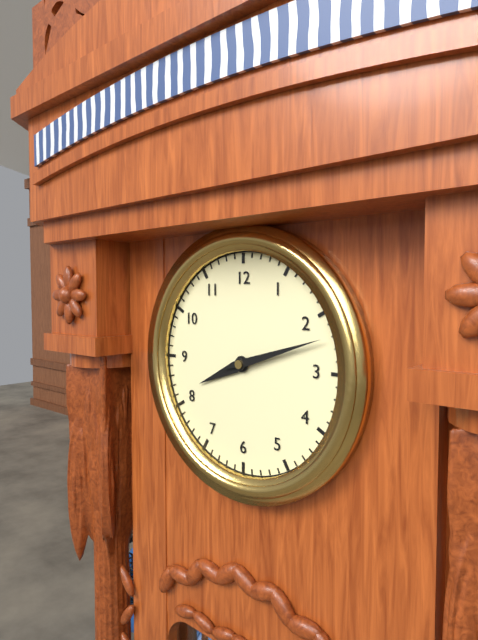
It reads 8.12
